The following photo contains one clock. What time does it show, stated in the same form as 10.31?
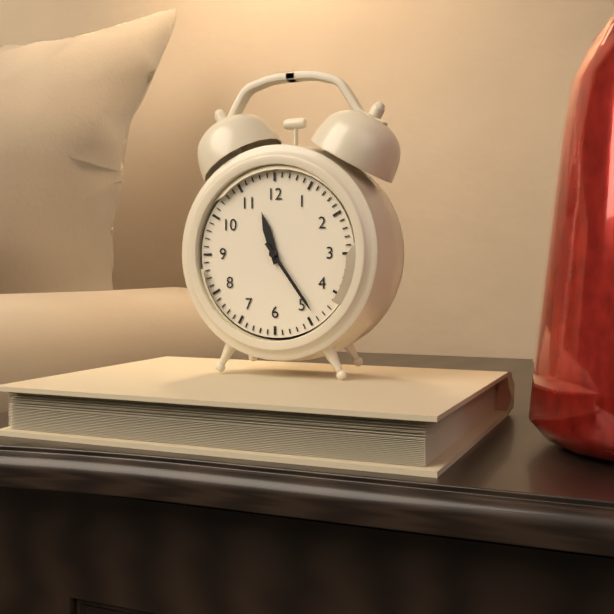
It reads 11.24
